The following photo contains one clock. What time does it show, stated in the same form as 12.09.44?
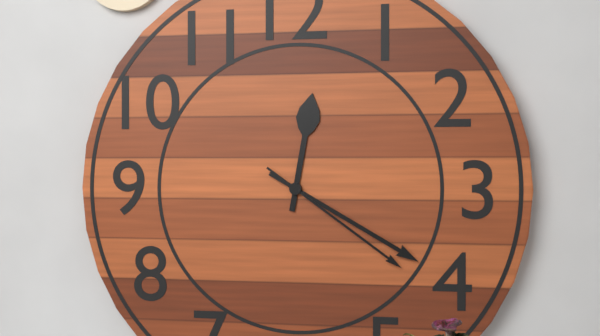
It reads 12.20.21
